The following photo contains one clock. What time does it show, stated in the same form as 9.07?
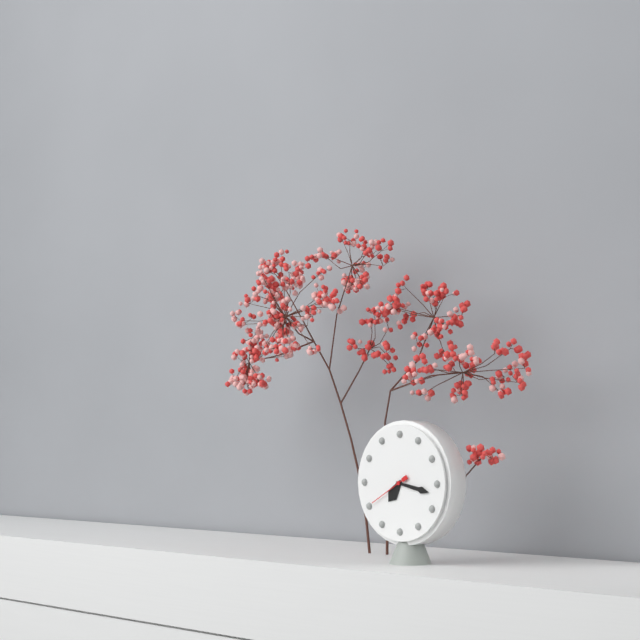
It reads 7.17
